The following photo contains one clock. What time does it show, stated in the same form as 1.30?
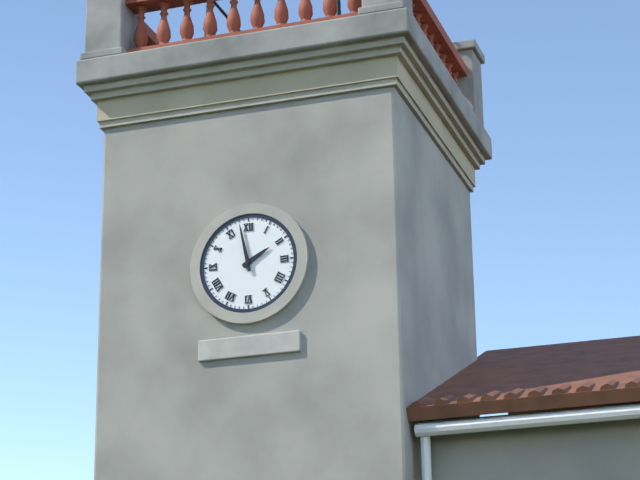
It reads 1.58
